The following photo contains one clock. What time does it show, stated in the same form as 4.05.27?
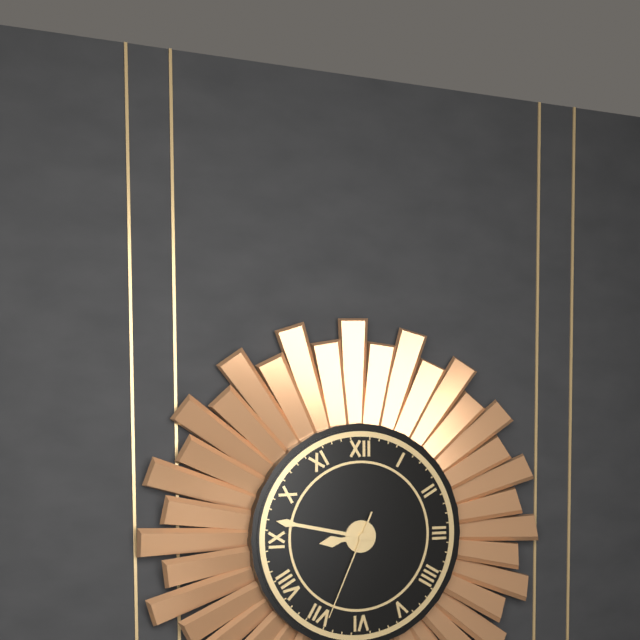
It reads 8.47.34
